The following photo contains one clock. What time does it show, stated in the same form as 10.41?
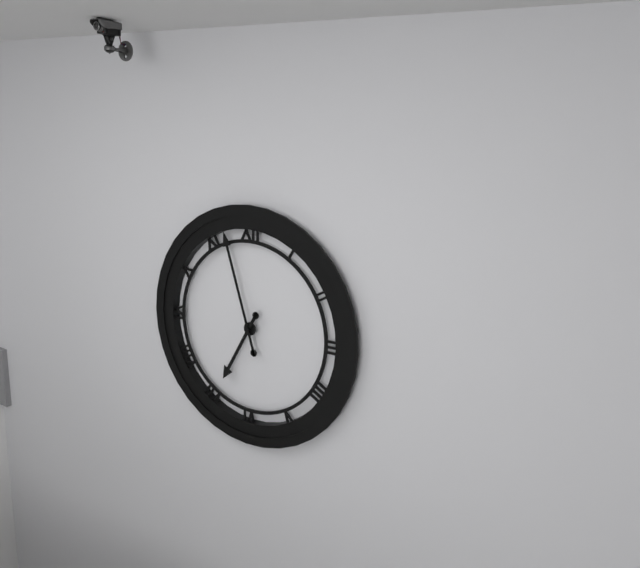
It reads 6.57
